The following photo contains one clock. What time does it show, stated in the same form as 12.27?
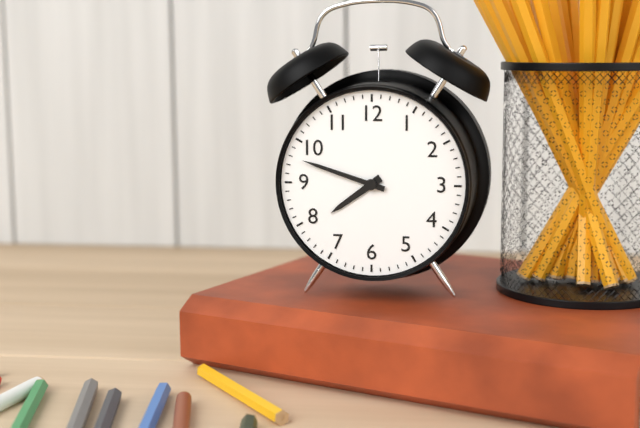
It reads 7.48
